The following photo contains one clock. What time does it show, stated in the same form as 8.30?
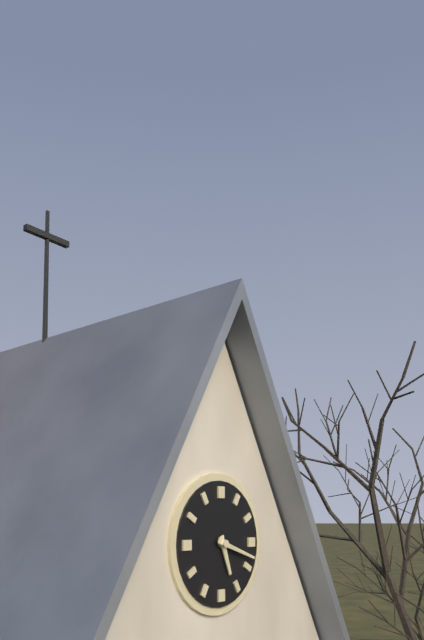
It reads 5.18
